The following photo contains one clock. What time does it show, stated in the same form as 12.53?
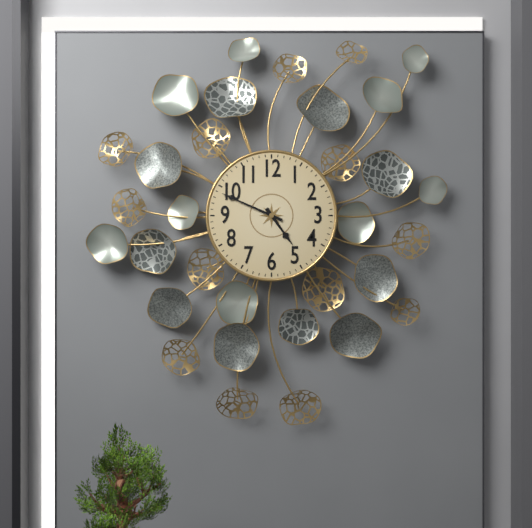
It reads 4.49
